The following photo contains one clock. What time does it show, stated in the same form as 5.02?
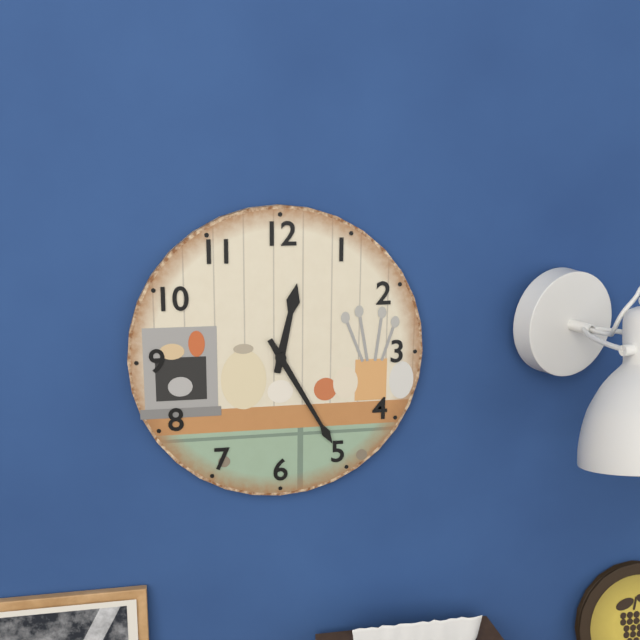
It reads 12.25
